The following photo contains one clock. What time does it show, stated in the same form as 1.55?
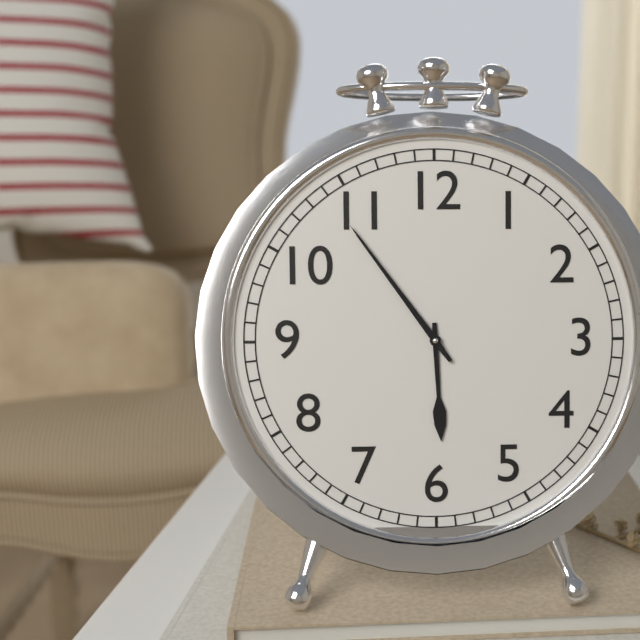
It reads 5.54
